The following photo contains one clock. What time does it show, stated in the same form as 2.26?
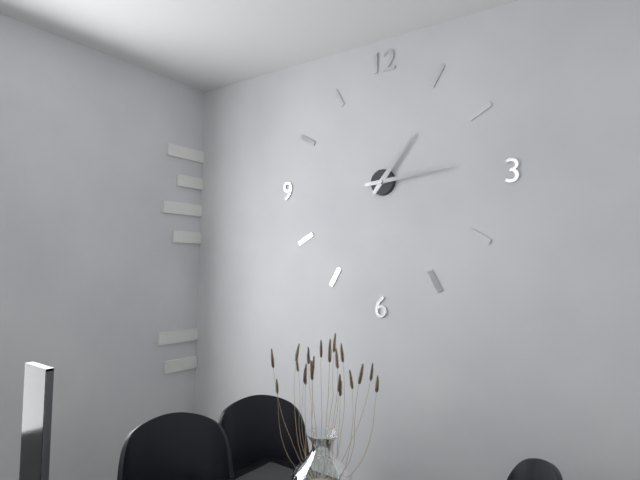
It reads 1.14
